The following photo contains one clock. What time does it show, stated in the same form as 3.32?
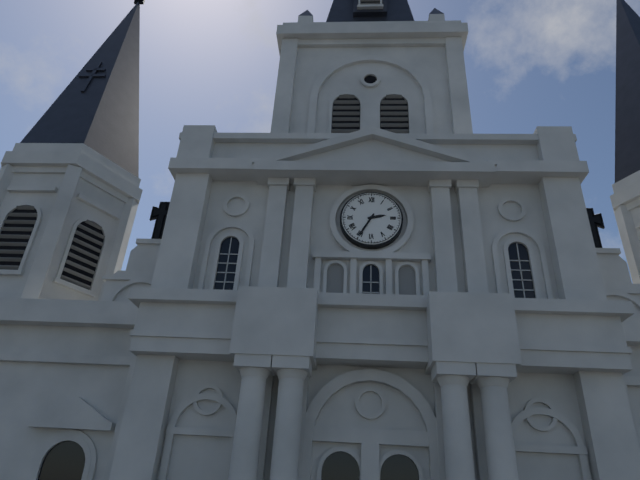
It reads 2.35
